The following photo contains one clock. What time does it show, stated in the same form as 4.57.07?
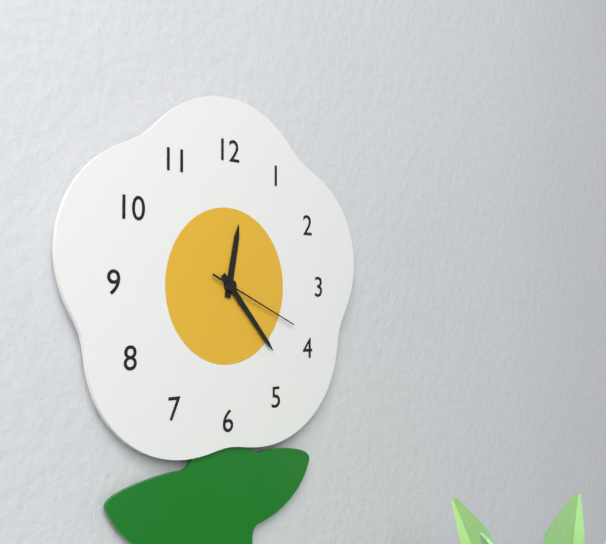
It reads 12.23.19
